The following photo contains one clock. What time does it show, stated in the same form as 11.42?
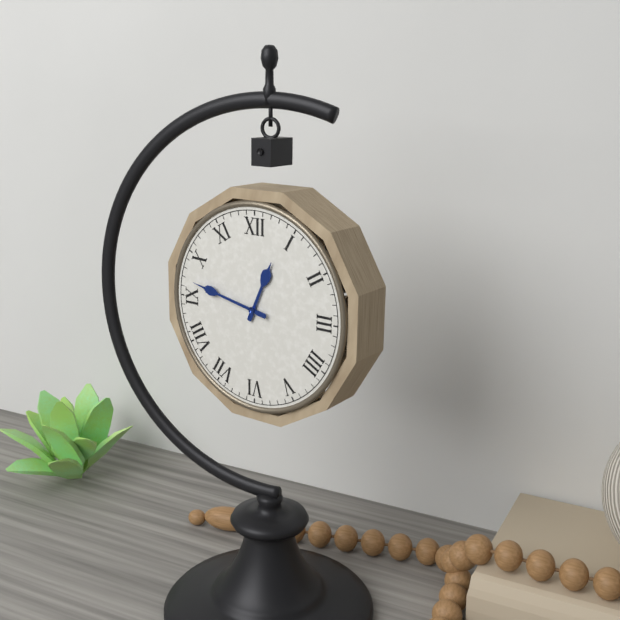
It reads 12.47
